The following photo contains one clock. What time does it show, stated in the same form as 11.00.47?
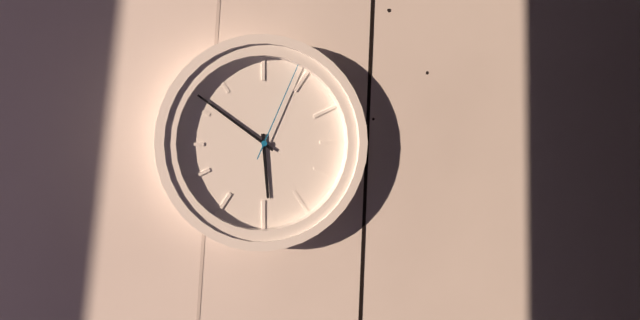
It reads 5.51.04
